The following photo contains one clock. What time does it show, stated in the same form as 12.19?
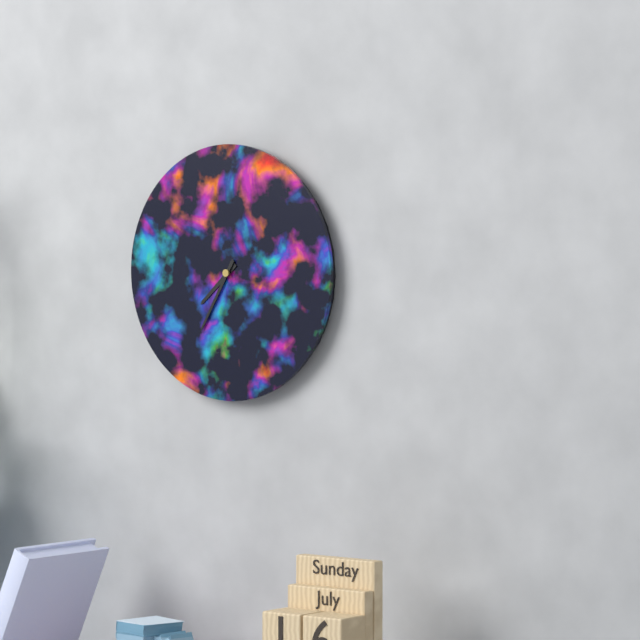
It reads 7.35
